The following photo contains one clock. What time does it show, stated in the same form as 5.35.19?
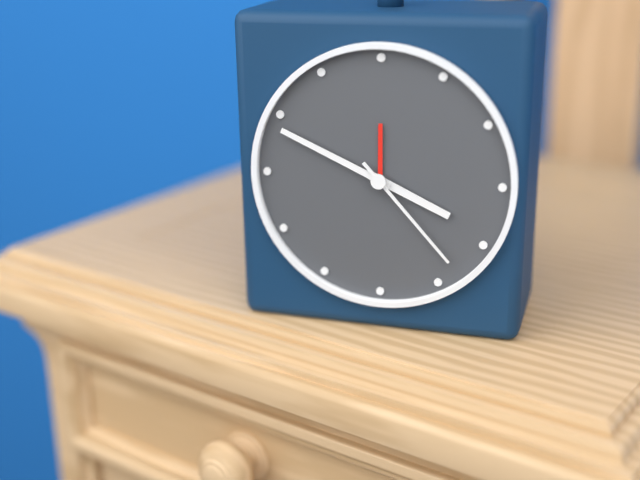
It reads 3.49.23
